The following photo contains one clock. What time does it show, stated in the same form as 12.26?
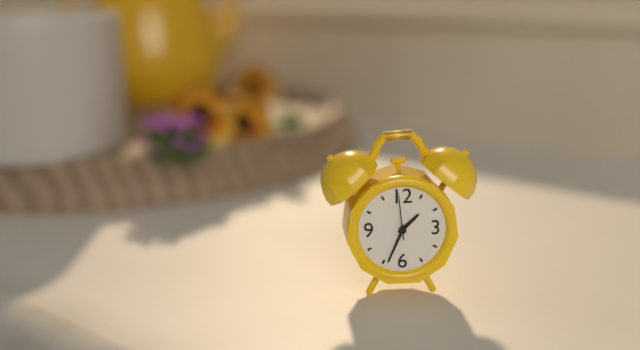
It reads 1.34
